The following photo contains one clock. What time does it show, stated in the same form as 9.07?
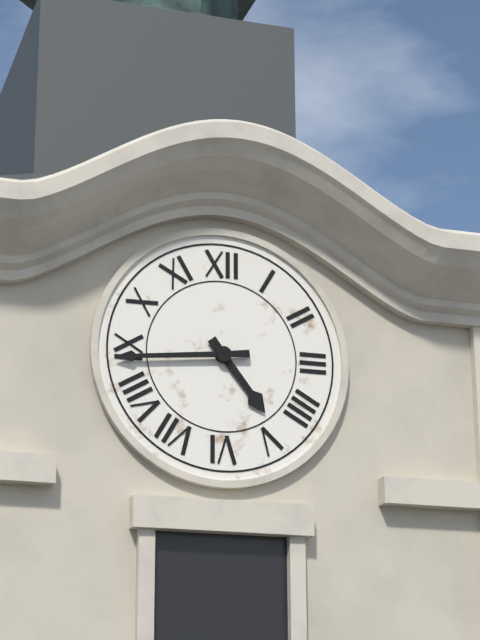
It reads 4.44
